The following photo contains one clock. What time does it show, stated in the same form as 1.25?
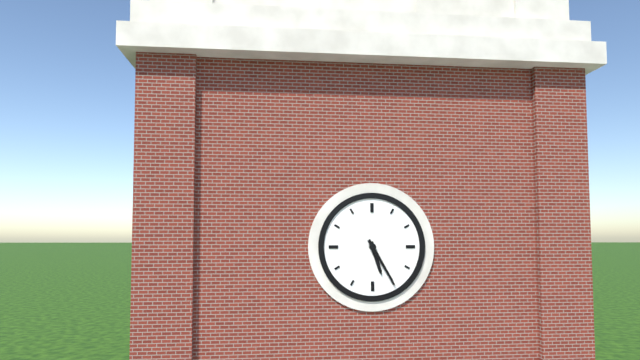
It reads 5.25
